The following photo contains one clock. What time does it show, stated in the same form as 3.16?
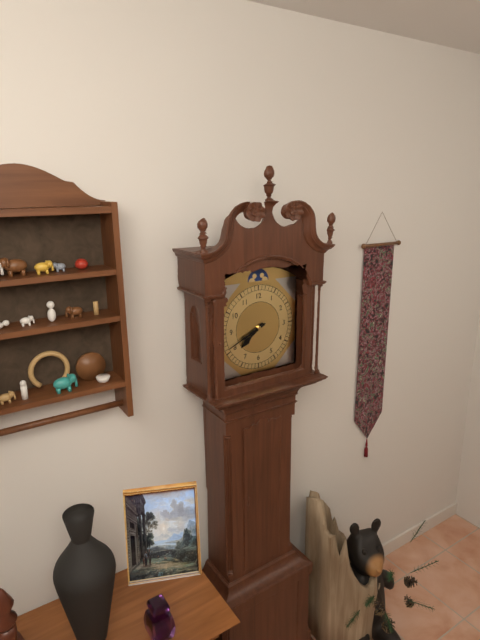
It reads 7.41
